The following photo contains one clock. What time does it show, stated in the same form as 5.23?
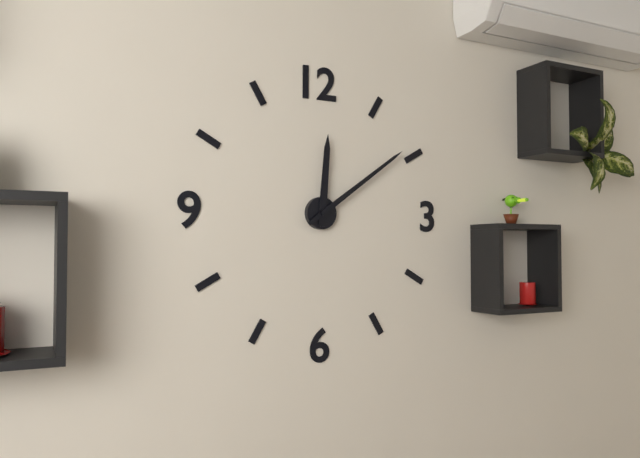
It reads 12.09
